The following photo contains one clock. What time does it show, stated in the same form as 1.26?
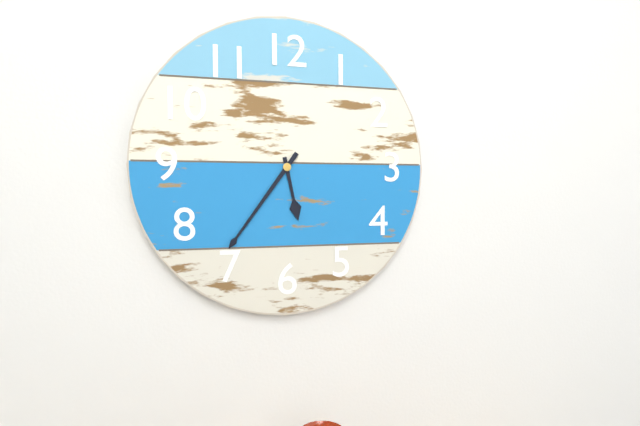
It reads 5.36
